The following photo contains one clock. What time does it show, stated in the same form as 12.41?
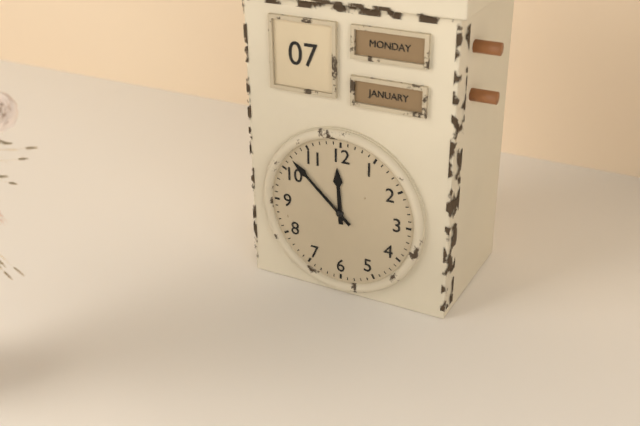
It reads 11.52
